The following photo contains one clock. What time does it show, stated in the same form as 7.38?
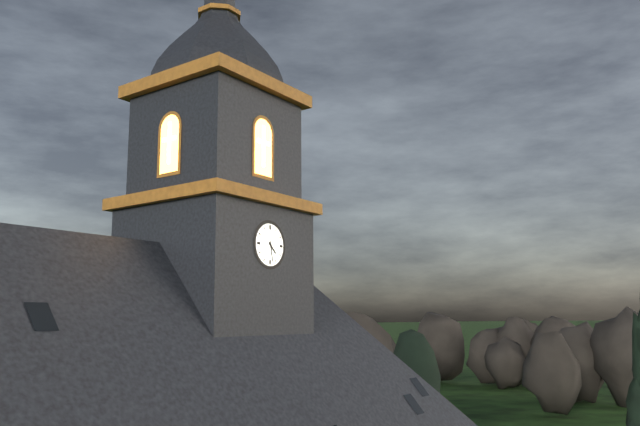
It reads 4.28
